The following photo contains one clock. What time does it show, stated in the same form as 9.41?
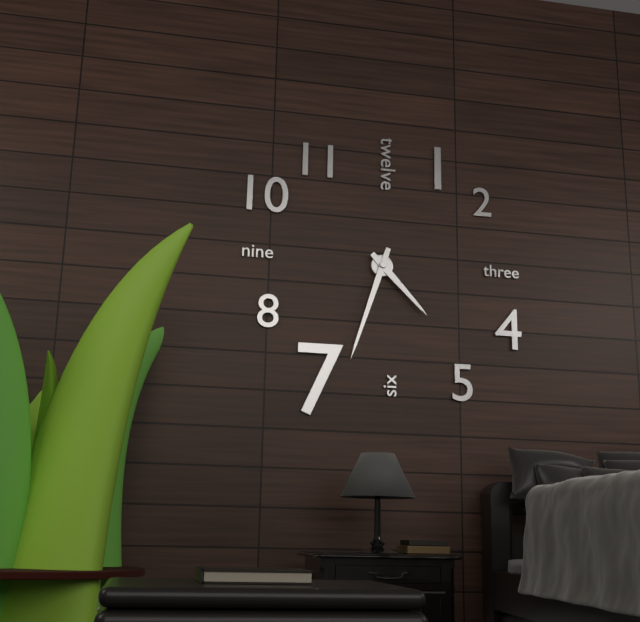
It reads 4.33
